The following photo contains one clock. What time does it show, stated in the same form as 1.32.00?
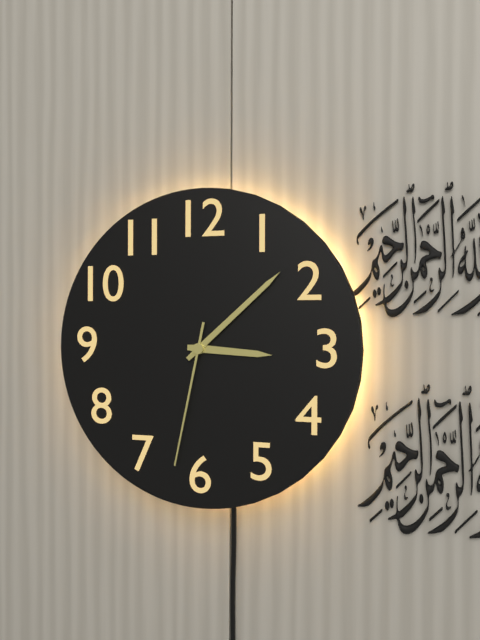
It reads 3.08.32
